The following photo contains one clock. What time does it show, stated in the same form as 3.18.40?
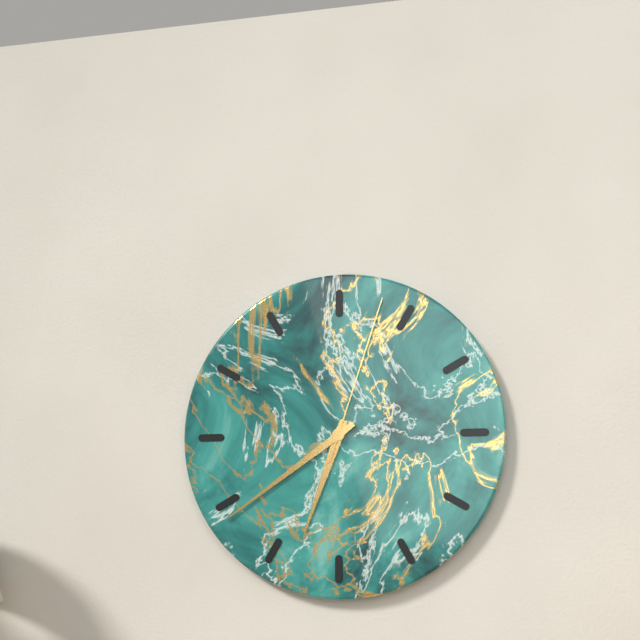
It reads 6.39.03
